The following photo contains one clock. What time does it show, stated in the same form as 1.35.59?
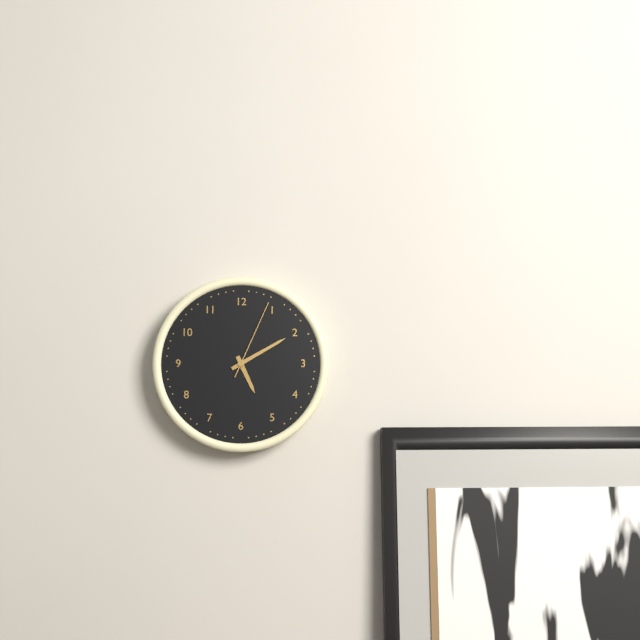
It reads 5.10.04
